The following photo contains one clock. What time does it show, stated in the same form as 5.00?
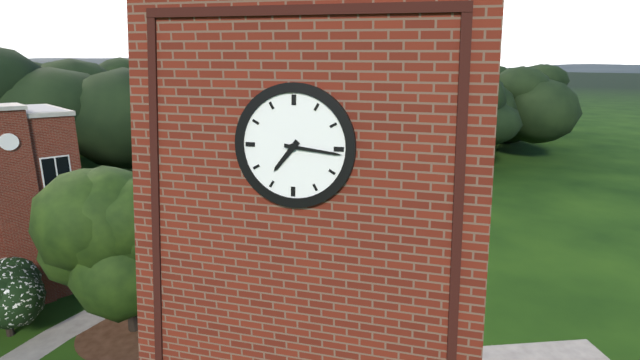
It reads 7.16
